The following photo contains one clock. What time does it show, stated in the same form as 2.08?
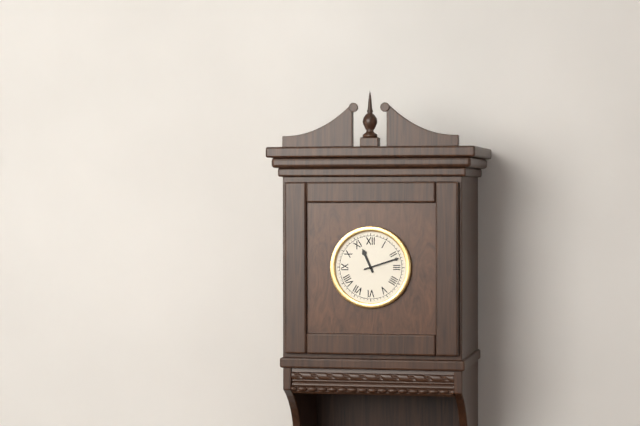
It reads 11.12
